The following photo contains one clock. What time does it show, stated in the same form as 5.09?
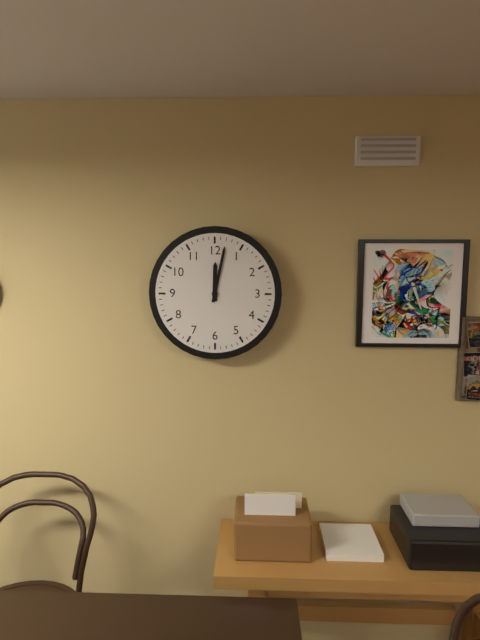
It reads 12.02
